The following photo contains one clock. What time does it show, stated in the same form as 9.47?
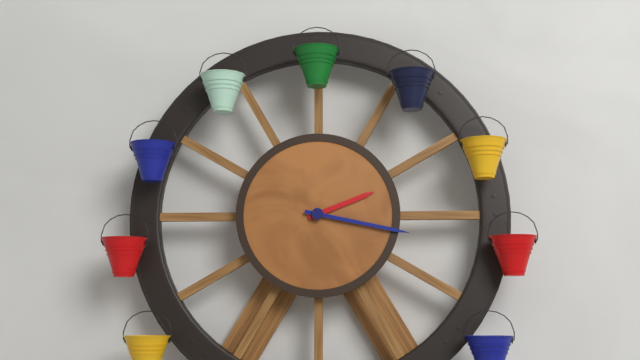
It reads 2.17
